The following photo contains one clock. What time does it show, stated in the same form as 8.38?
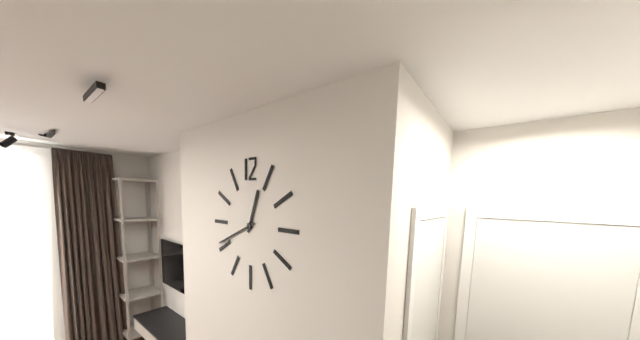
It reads 12.41
